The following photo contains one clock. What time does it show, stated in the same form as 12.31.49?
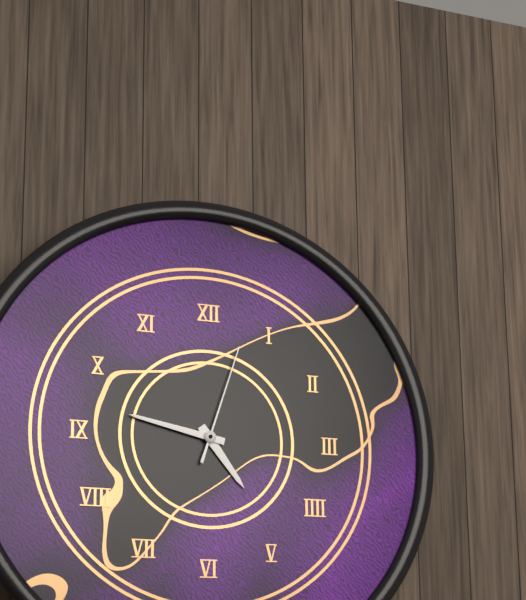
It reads 4.47.03
